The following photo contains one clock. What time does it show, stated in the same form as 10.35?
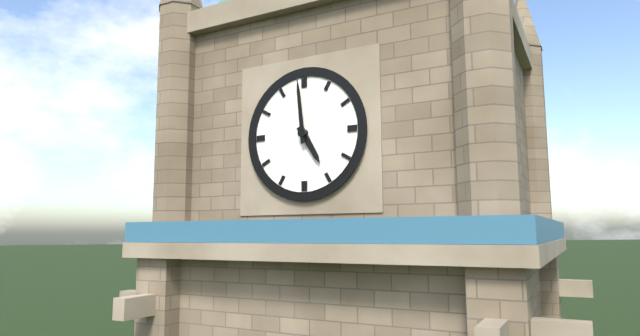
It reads 4.59
